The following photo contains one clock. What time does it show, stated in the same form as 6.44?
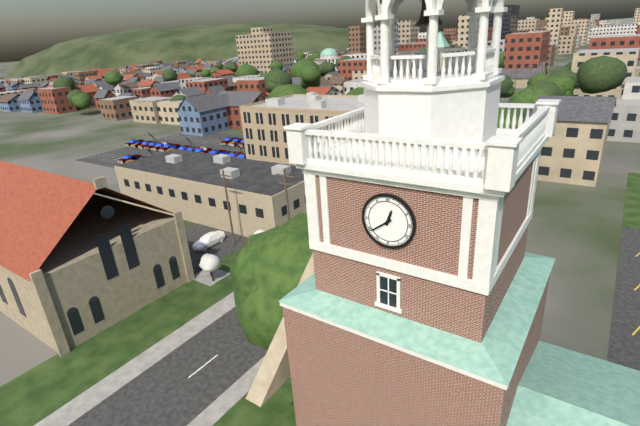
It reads 12.39
